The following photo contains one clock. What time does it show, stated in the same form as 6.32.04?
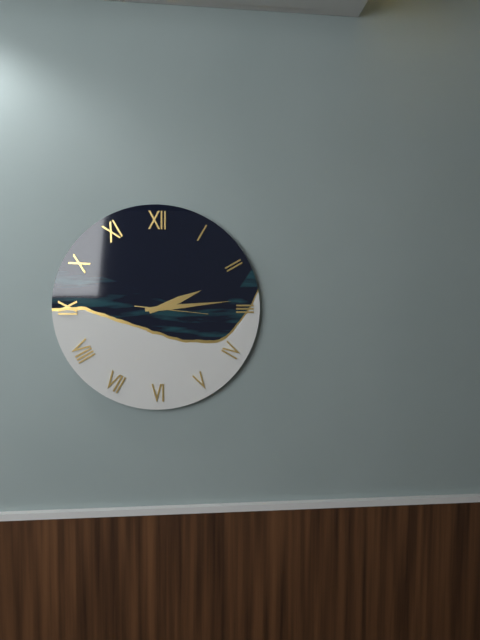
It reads 2.14.16
